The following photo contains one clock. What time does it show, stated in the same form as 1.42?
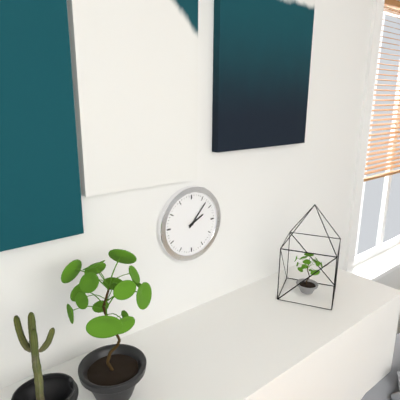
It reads 2.07
